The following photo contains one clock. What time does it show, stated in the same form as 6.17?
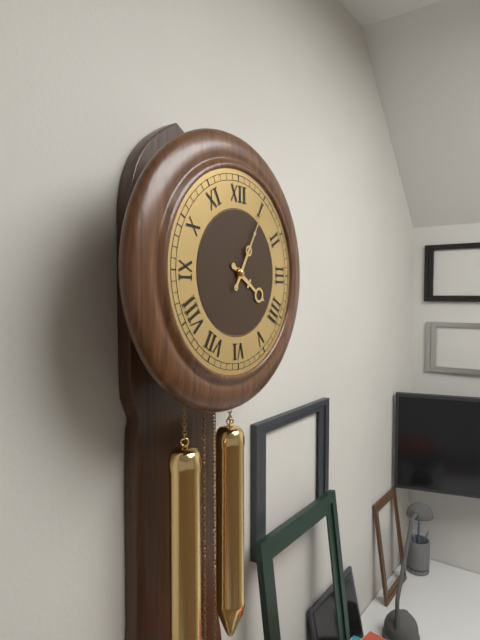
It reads 4.05
